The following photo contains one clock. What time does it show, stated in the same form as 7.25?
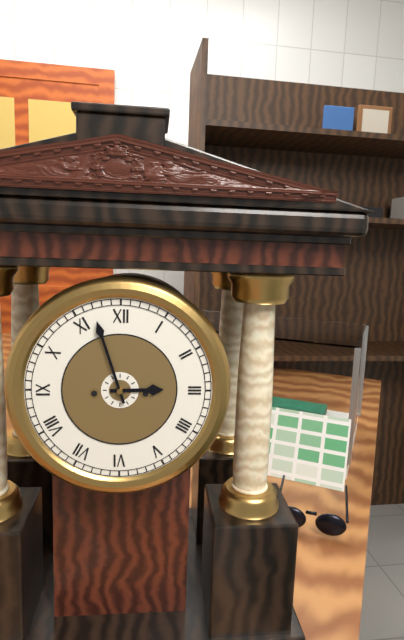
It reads 2.57
